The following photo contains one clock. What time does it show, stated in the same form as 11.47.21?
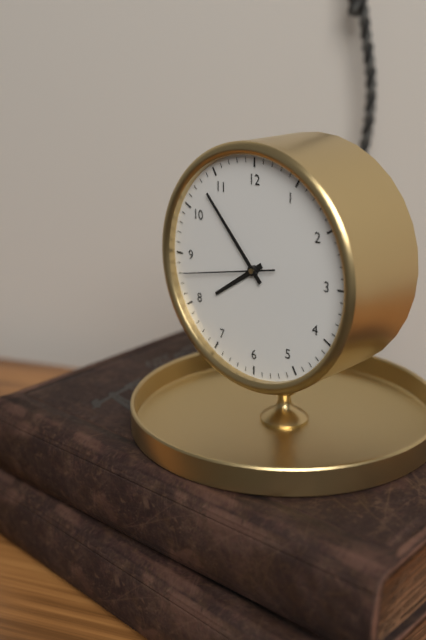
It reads 7.53.43
